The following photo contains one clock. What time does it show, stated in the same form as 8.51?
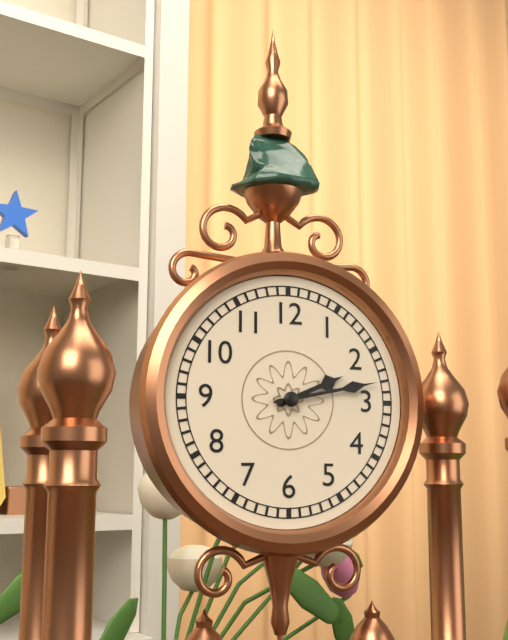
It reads 2.13
